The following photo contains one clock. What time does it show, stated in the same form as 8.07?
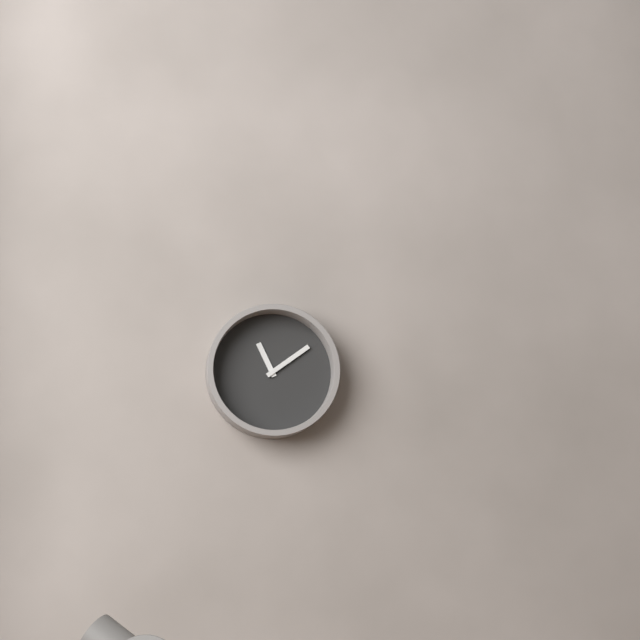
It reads 11.09
